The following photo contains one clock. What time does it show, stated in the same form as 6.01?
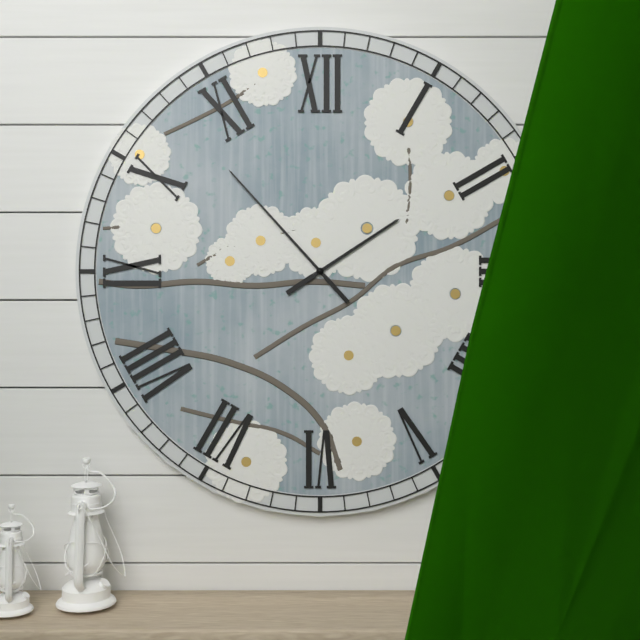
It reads 1.53
